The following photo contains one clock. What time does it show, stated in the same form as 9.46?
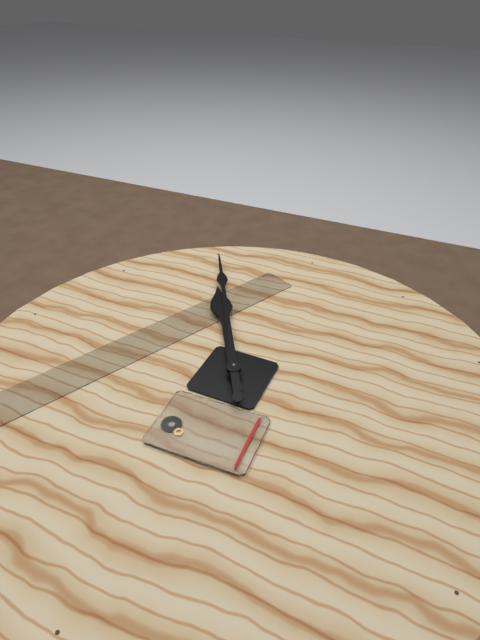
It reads 10.55
